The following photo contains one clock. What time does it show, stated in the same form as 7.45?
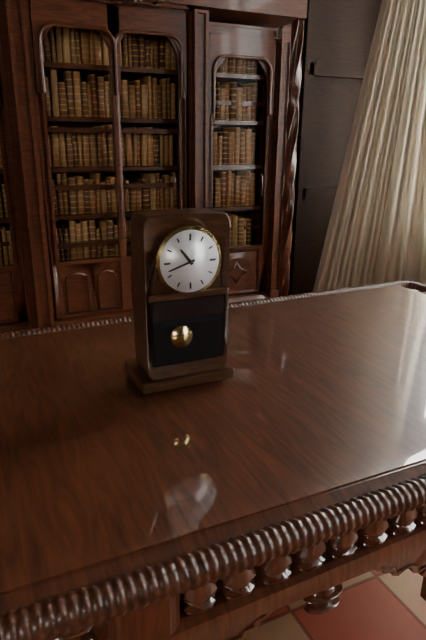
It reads 10.42
